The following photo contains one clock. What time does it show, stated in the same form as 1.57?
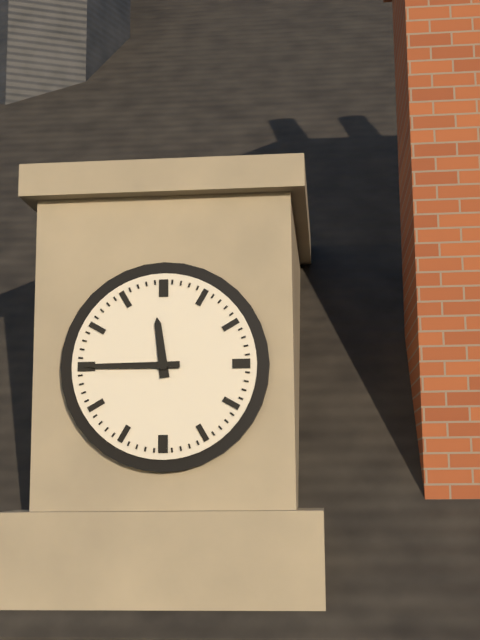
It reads 11.45
